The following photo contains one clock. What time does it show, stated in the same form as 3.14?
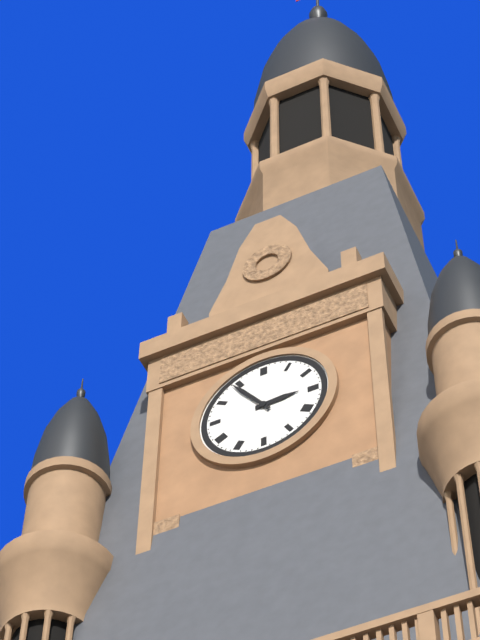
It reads 2.54
